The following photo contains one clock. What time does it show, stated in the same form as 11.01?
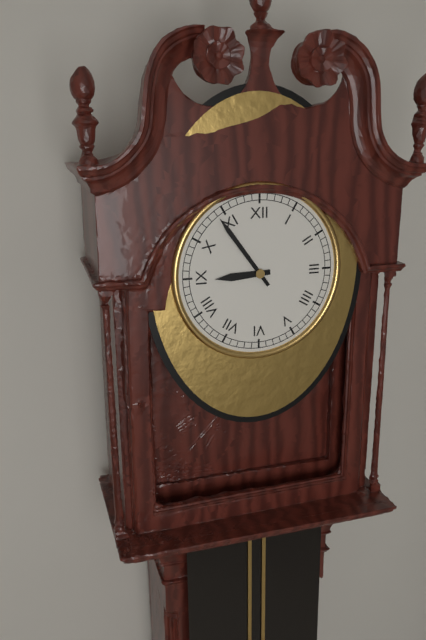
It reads 8.54
